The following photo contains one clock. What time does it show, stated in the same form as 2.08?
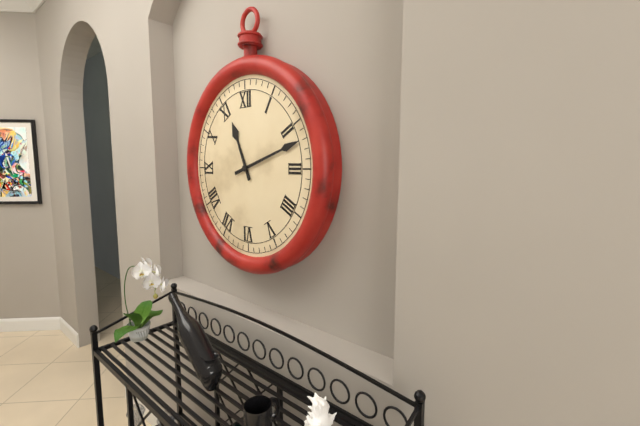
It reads 11.12
